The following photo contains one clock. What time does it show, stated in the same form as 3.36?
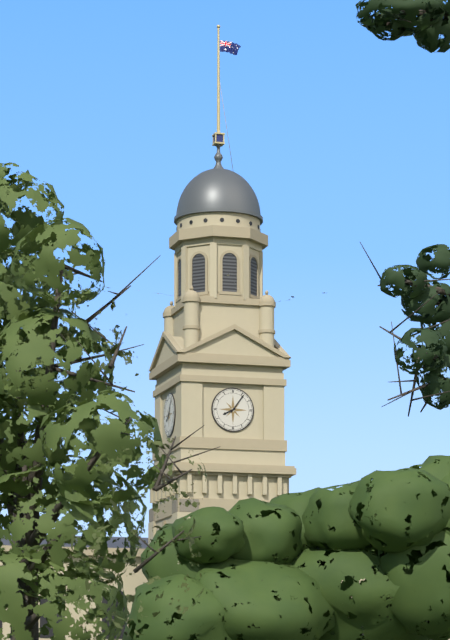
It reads 8.06
